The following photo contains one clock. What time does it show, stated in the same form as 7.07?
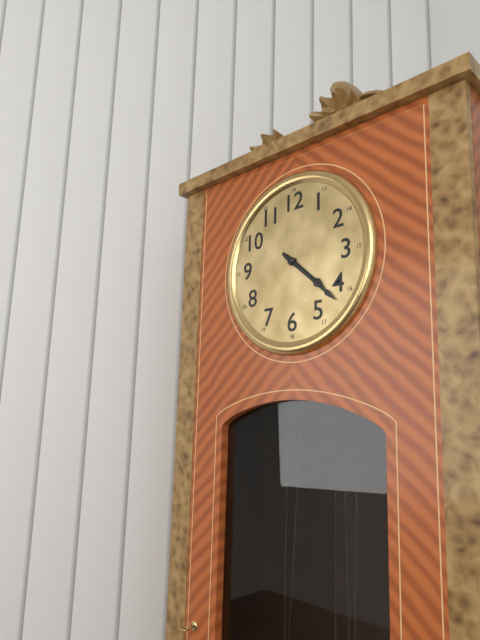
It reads 4.22
